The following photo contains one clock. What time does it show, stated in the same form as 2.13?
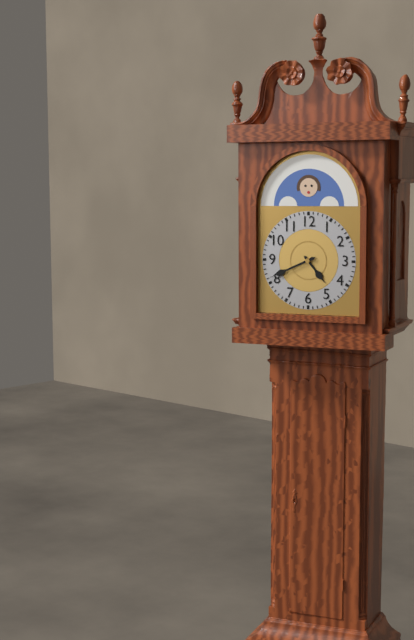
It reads 4.41
